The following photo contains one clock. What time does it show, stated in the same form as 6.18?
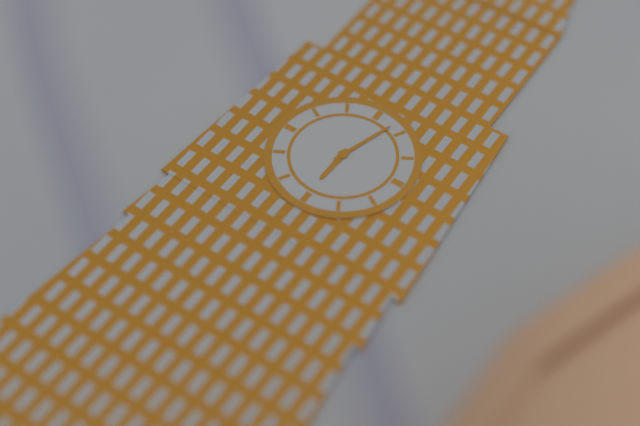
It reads 6.03
